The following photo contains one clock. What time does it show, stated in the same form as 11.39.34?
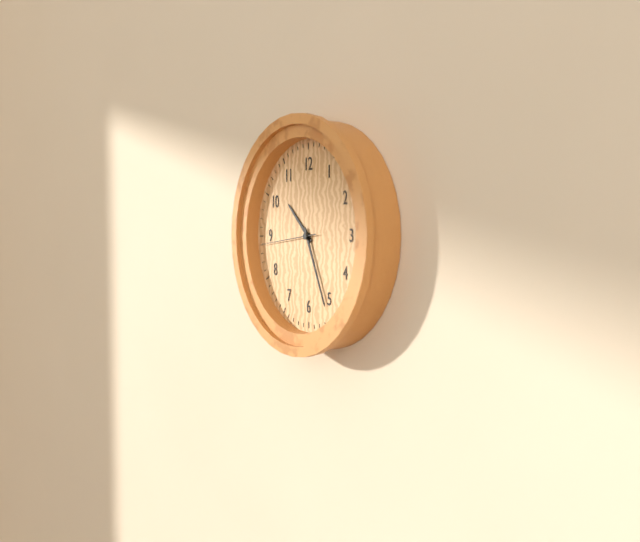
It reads 10.26.44
